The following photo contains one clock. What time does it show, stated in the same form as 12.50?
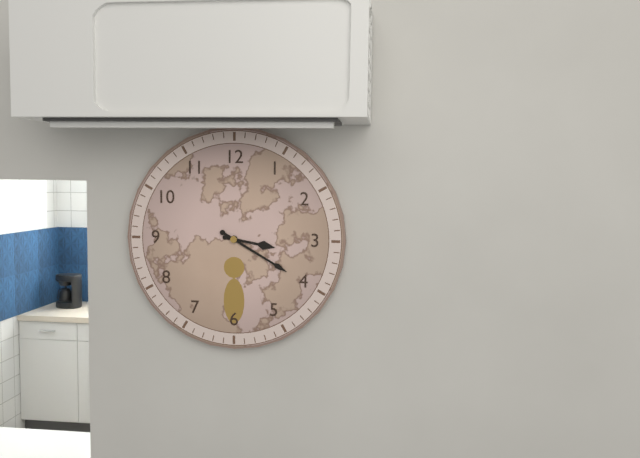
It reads 3.20
